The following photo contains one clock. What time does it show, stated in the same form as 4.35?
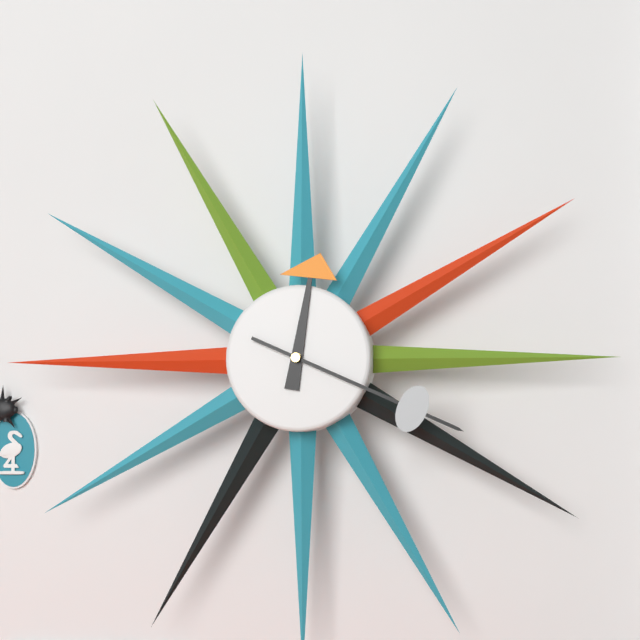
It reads 12.19
